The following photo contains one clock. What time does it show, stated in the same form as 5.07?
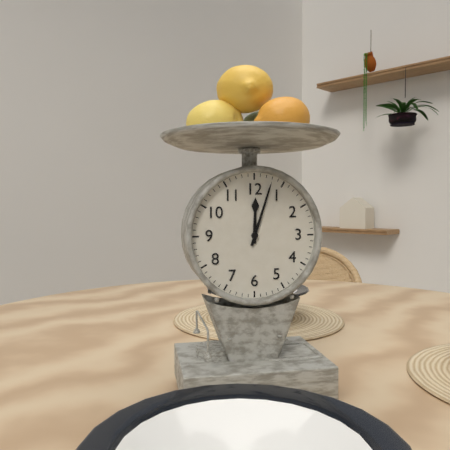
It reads 12.03
